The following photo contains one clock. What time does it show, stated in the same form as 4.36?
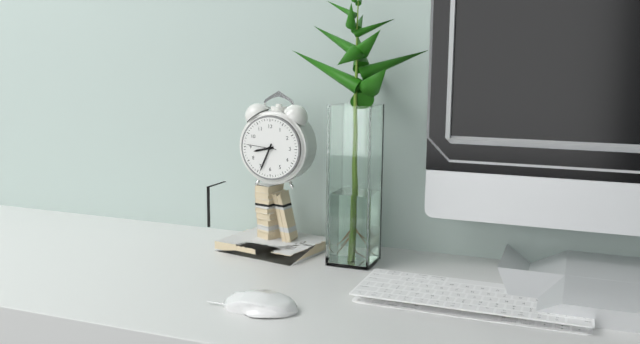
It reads 8.34
